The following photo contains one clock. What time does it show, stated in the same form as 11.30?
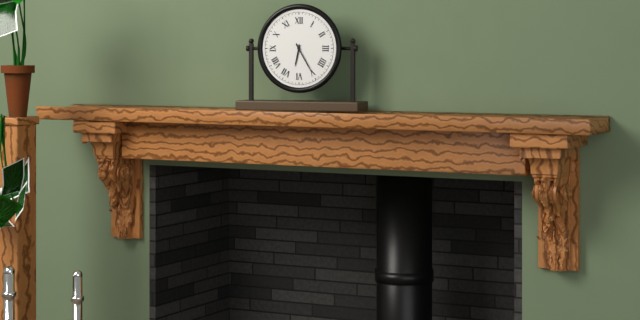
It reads 6.25
